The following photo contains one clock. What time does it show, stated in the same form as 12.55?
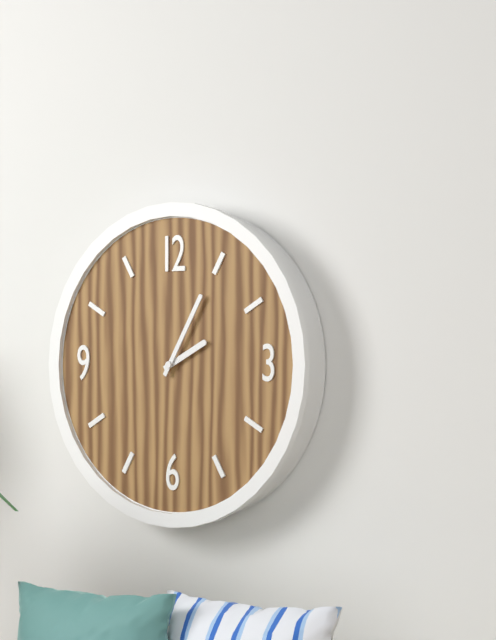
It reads 2.05
